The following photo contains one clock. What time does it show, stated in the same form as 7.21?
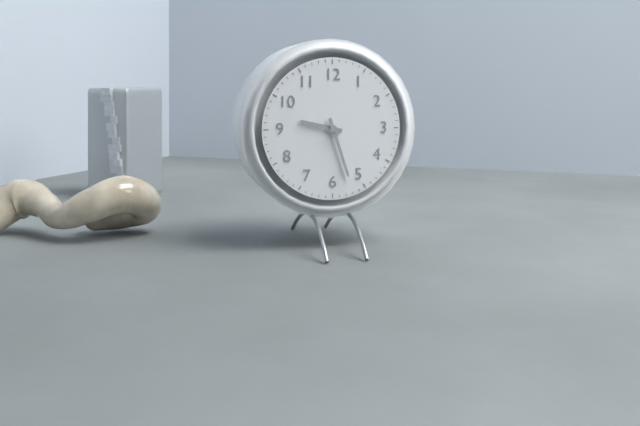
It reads 9.27
